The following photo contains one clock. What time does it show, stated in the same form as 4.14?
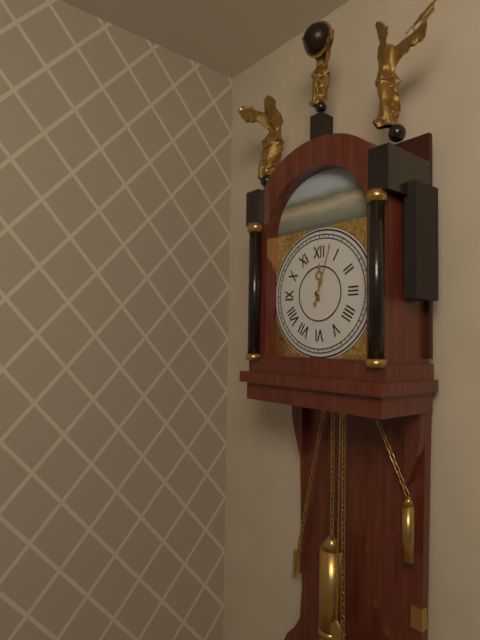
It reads 12.03
